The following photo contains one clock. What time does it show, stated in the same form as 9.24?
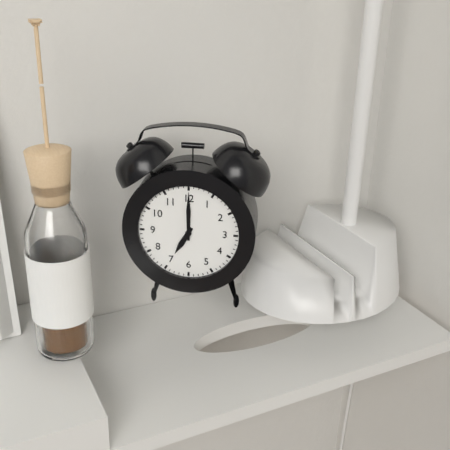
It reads 7.00
